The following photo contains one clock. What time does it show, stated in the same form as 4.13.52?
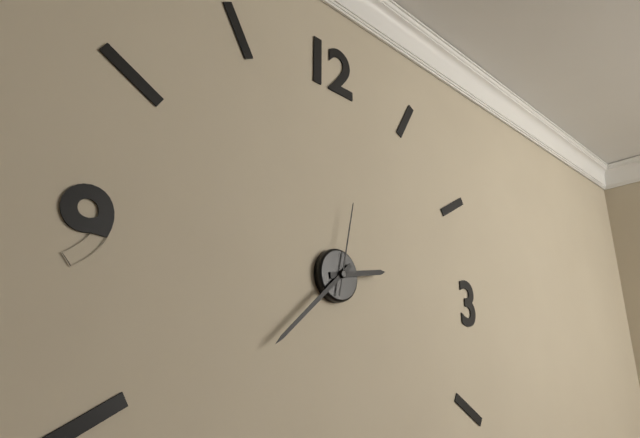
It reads 2.38.02
